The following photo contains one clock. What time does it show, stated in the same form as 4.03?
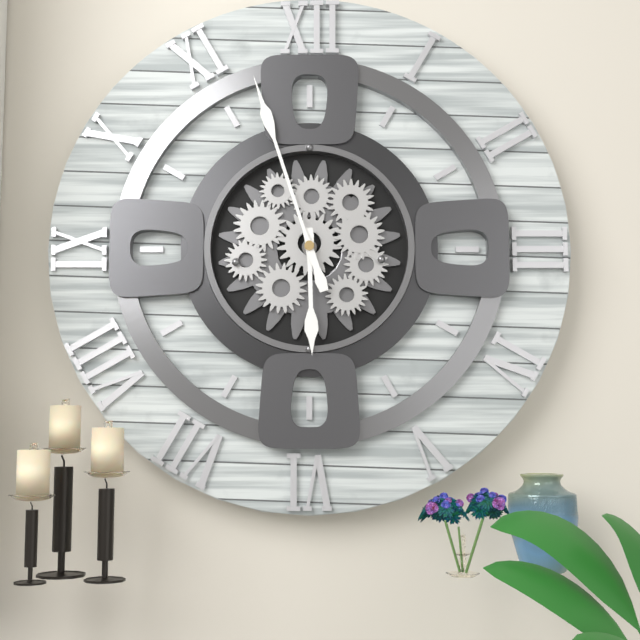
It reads 5.57
